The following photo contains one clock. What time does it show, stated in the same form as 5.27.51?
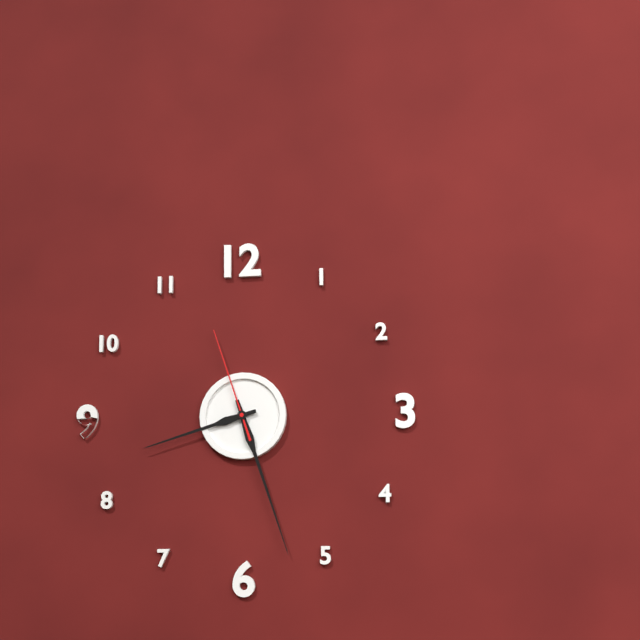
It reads 8.27.57
